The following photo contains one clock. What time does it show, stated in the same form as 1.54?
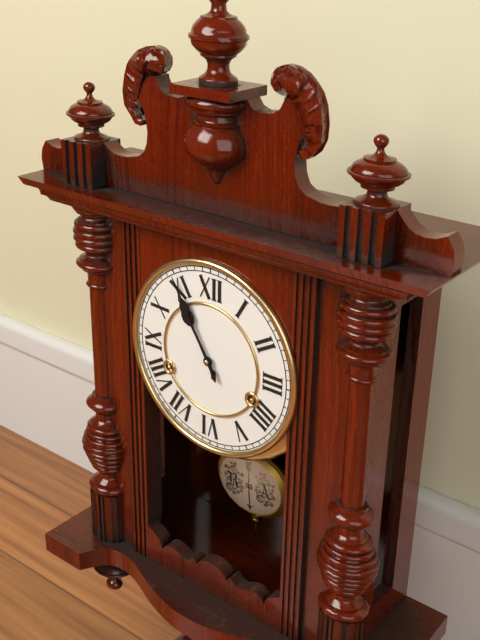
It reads 10.55
